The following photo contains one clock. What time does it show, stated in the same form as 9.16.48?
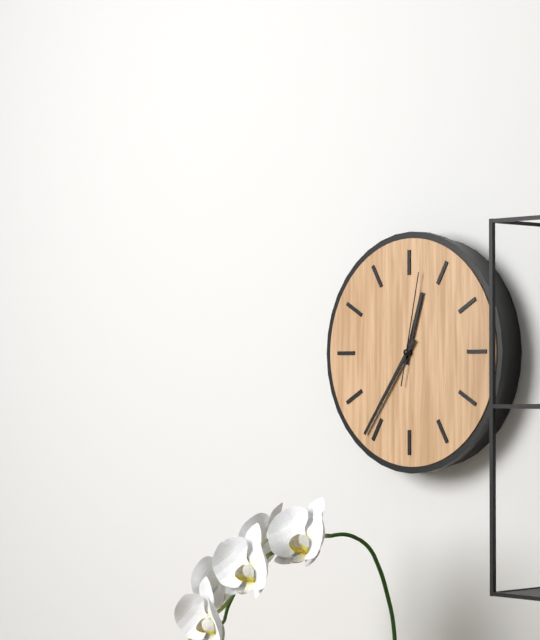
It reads 12.36.02
